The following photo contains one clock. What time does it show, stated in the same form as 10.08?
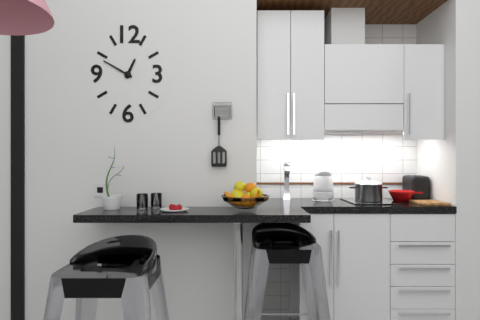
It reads 12.50
